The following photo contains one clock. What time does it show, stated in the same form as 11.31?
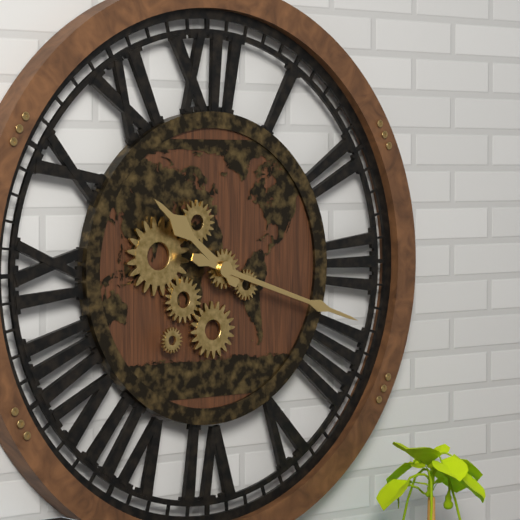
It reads 10.18
